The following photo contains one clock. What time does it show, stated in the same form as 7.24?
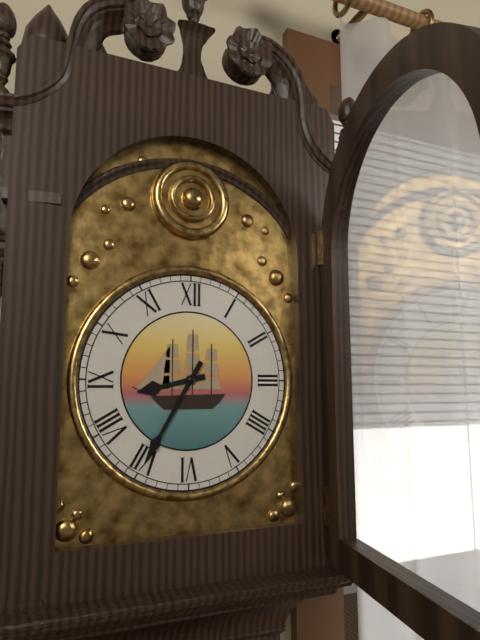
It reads 8.35
